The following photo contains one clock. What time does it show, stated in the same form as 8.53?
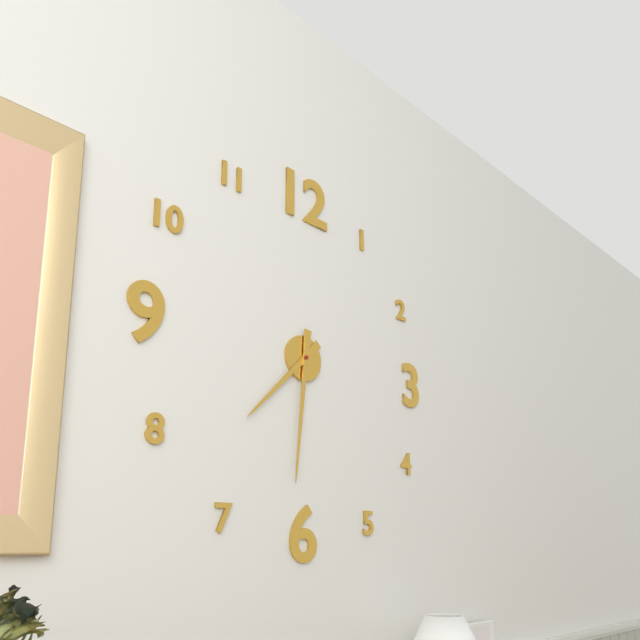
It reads 7.31
